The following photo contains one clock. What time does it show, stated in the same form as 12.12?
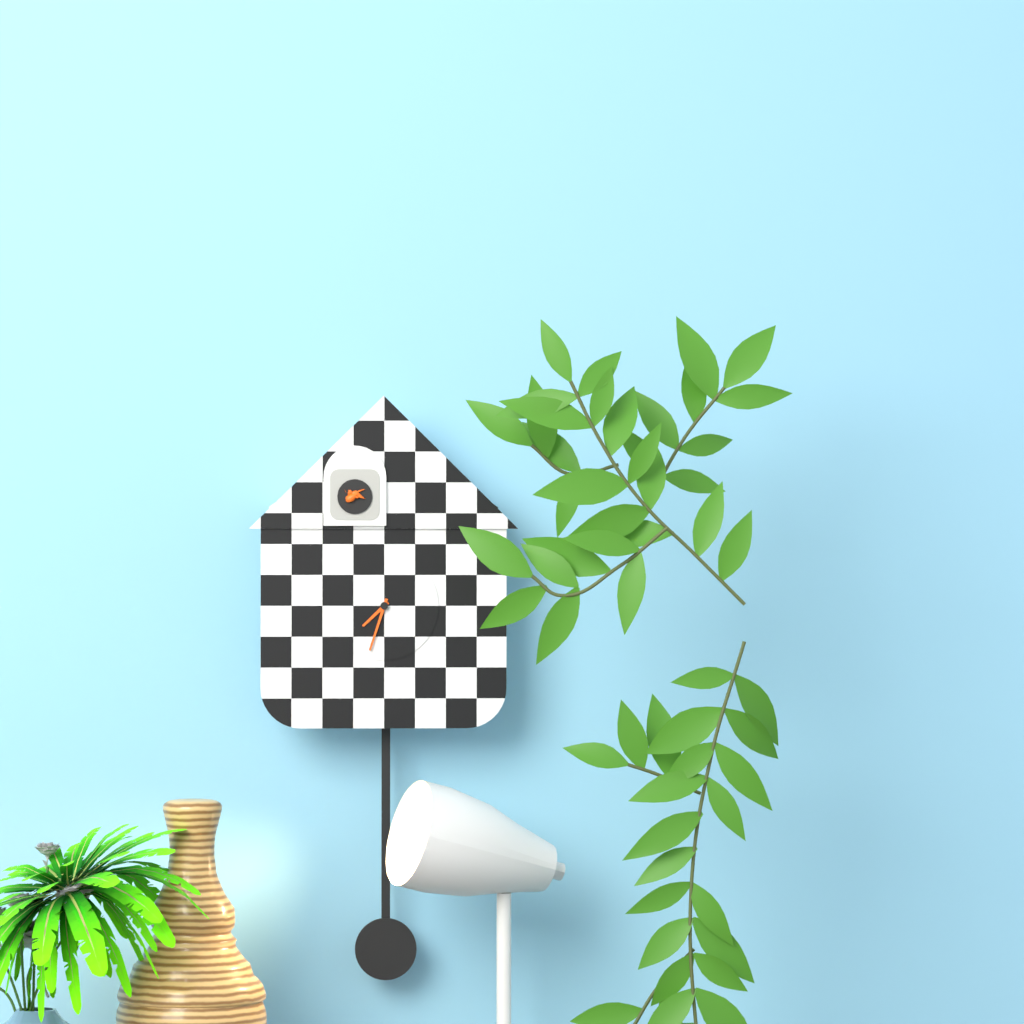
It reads 7.33
